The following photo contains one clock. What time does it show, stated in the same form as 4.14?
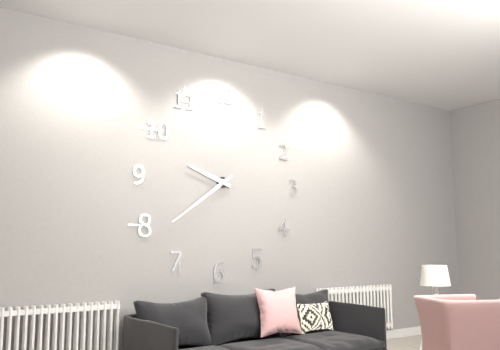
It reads 9.39
